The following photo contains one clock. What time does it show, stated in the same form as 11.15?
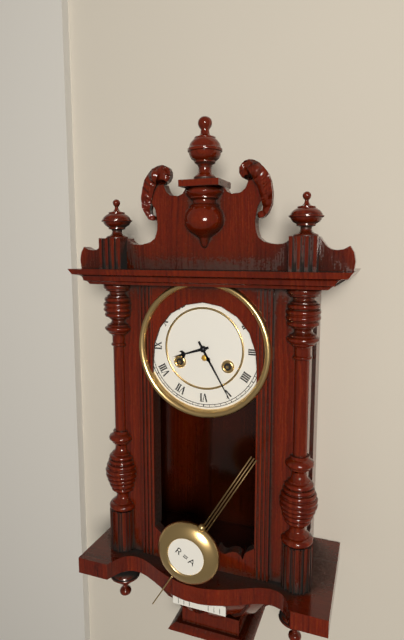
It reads 8.25
